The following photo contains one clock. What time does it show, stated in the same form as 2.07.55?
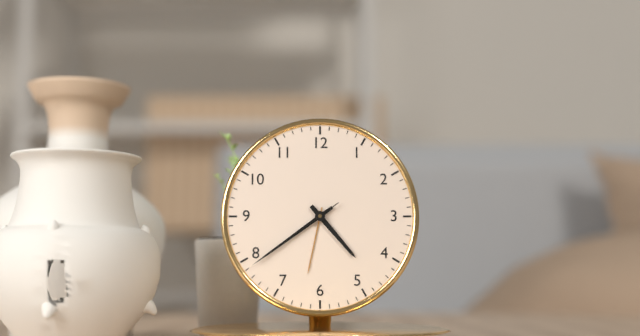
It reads 4.39.39
